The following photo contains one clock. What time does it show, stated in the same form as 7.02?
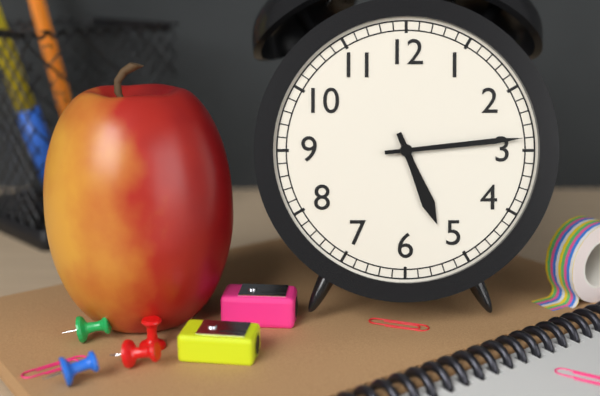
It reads 5.14
